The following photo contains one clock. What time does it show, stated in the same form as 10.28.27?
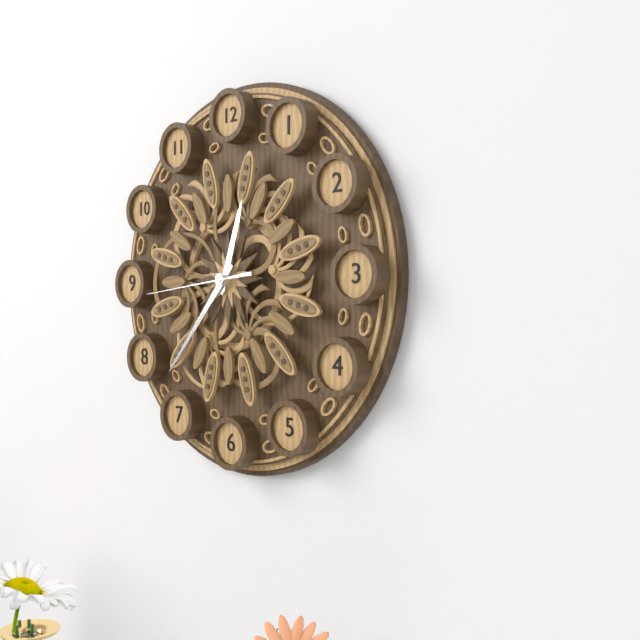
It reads 12.37.44
